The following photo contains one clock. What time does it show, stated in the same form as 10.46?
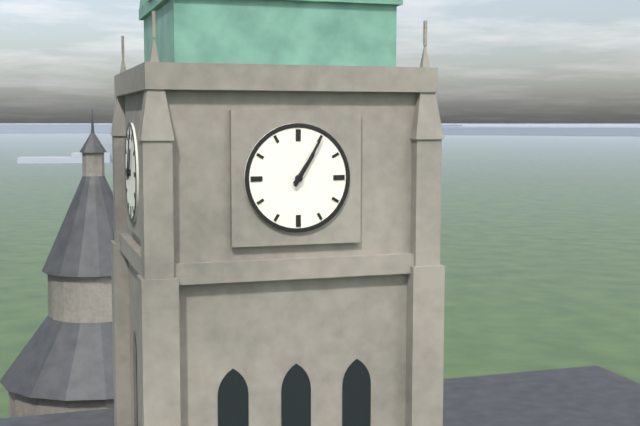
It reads 1.05
